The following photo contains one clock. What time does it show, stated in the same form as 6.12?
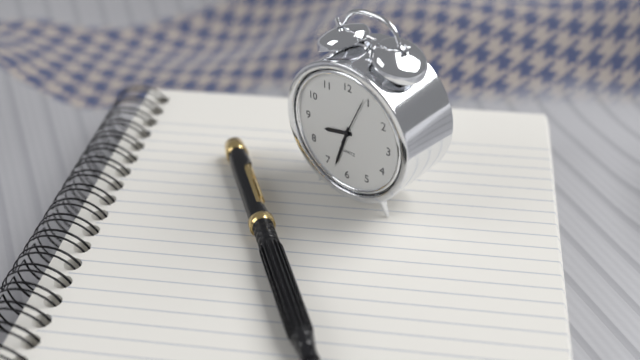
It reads 8.33
